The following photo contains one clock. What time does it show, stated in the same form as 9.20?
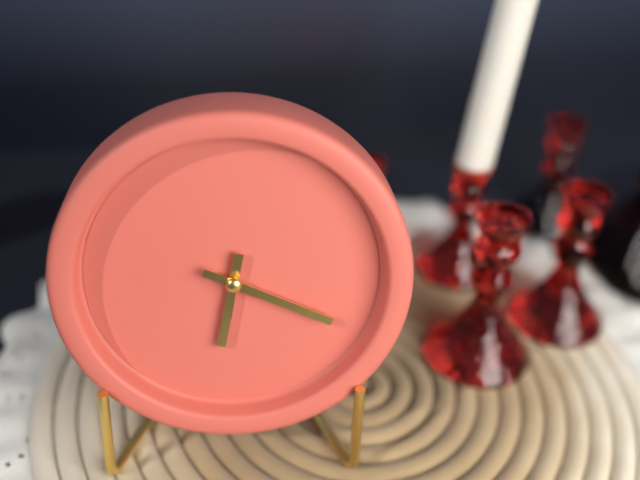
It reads 6.19
